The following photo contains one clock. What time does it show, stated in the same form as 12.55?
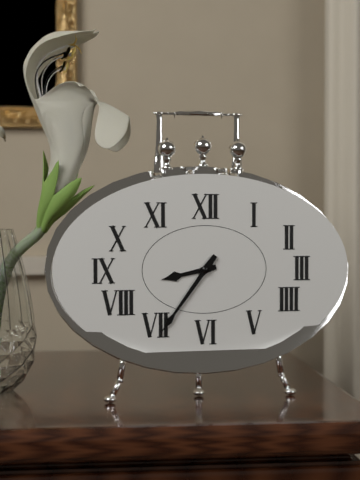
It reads 8.36
